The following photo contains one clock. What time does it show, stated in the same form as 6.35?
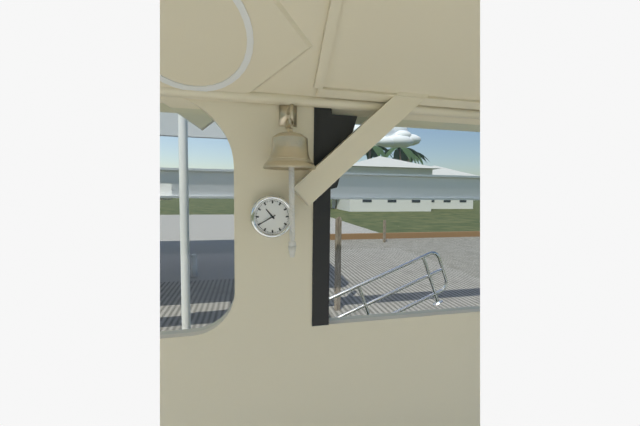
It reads 10.40
